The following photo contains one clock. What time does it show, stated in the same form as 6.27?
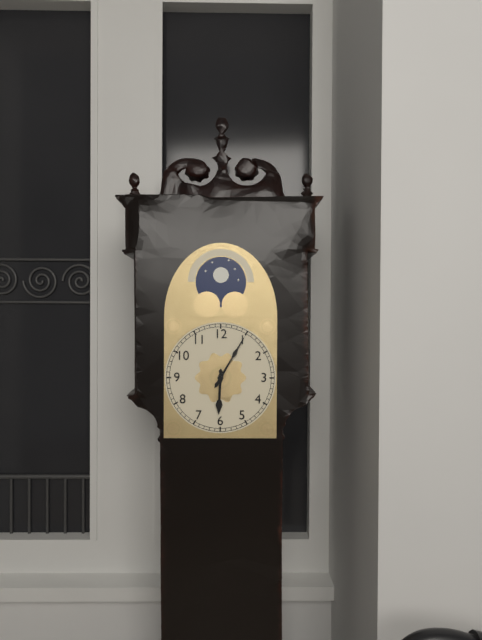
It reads 6.05
